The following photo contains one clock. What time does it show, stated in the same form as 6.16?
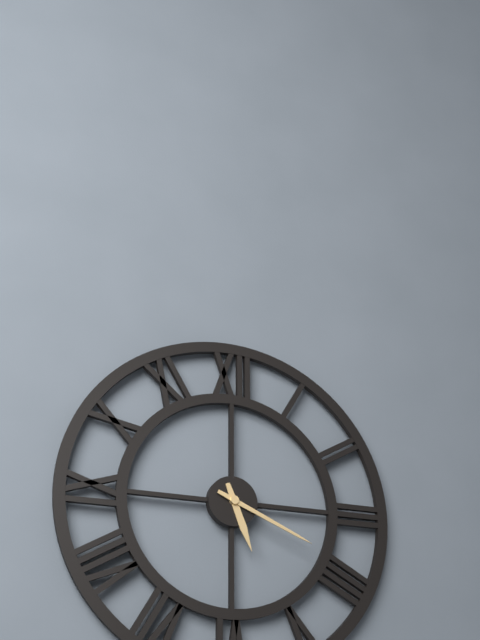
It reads 5.19
